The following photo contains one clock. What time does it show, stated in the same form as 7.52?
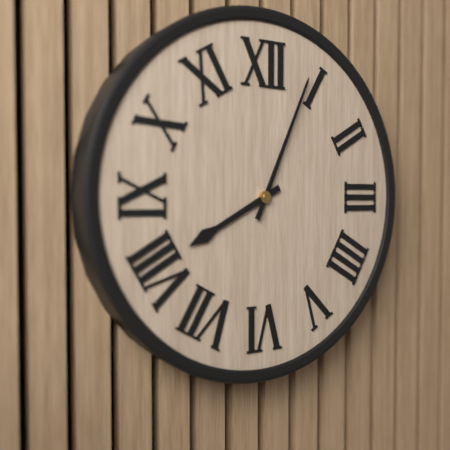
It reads 8.04
